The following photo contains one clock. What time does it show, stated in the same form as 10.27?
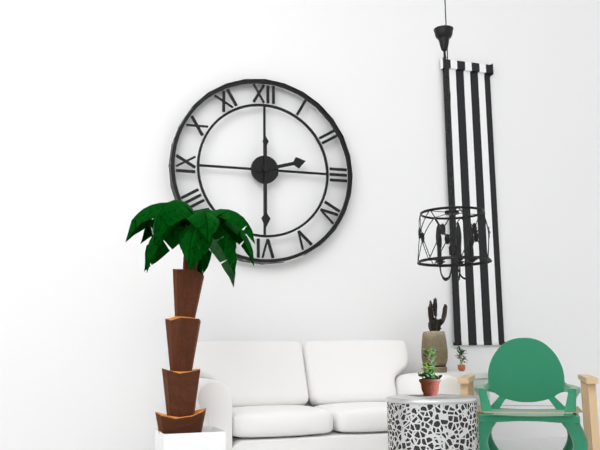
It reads 2.30
